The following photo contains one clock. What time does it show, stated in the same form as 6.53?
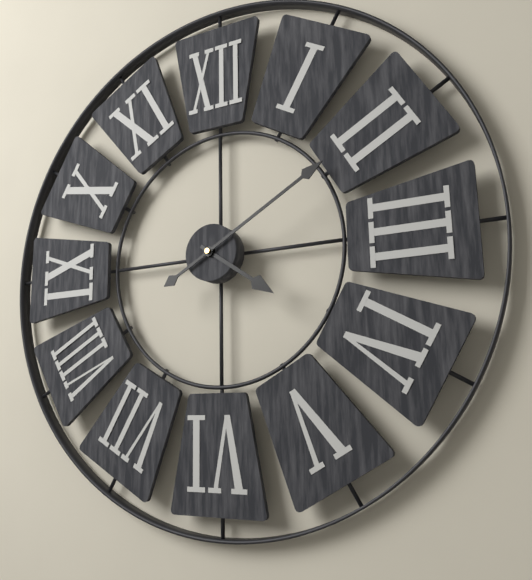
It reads 4.10
